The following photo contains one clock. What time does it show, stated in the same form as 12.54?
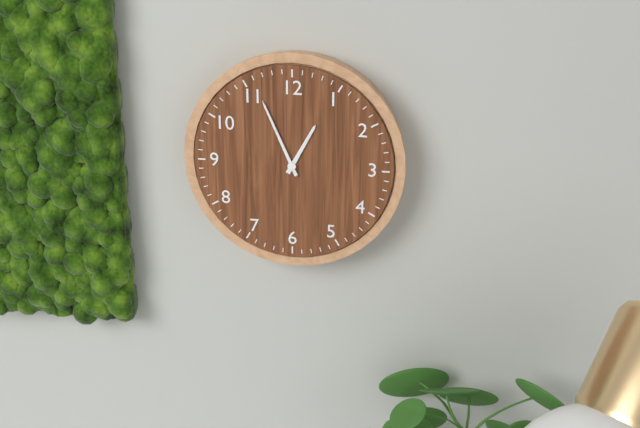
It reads 12.56
